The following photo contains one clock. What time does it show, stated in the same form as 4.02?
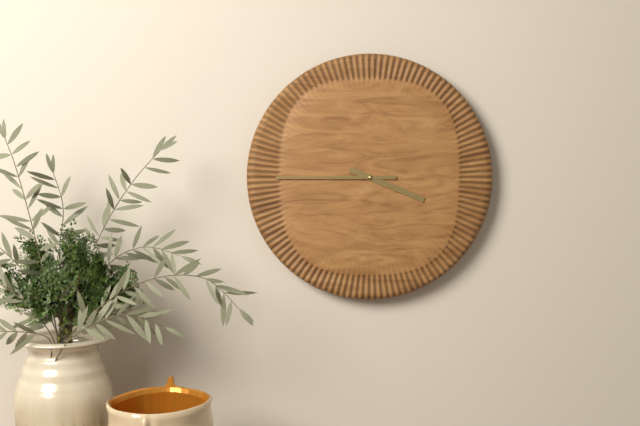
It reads 3.45
